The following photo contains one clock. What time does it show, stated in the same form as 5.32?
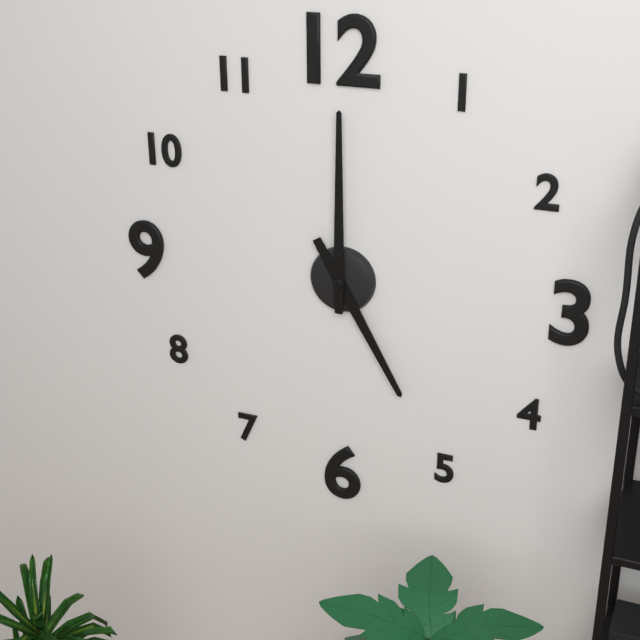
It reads 5.00
